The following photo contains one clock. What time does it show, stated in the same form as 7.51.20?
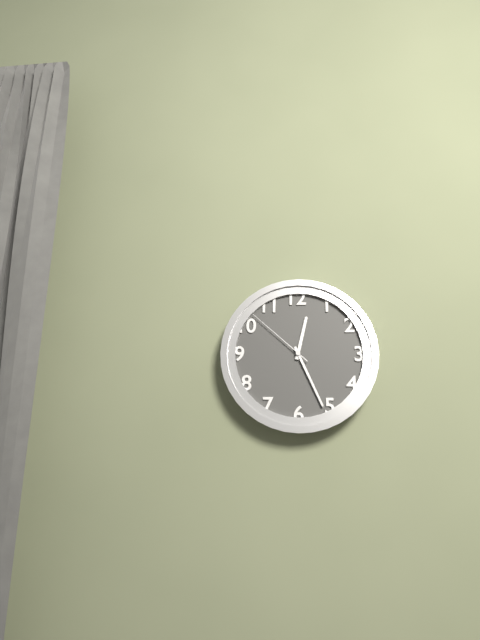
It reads 12.26.52
